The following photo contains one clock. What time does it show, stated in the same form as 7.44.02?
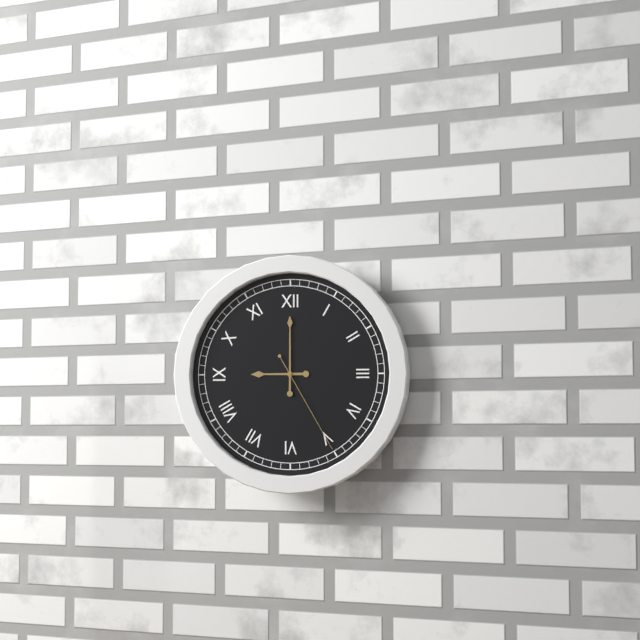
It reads 9.00.25
